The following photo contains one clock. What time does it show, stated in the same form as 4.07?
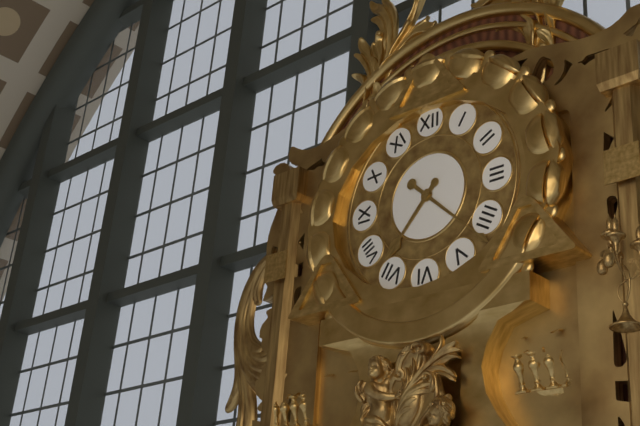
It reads 7.22
